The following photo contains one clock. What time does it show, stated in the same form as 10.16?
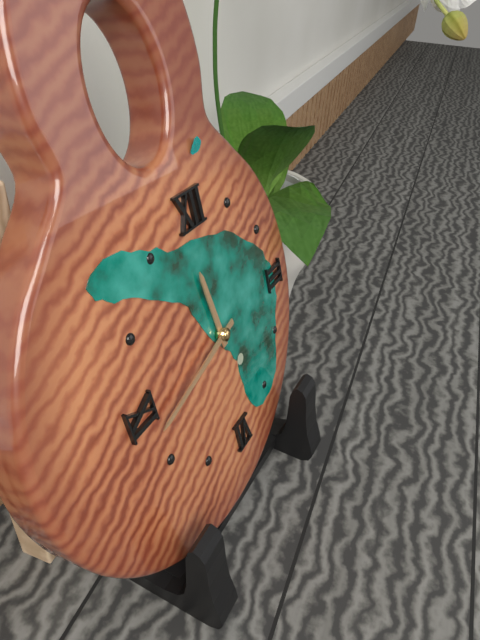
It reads 11.43
